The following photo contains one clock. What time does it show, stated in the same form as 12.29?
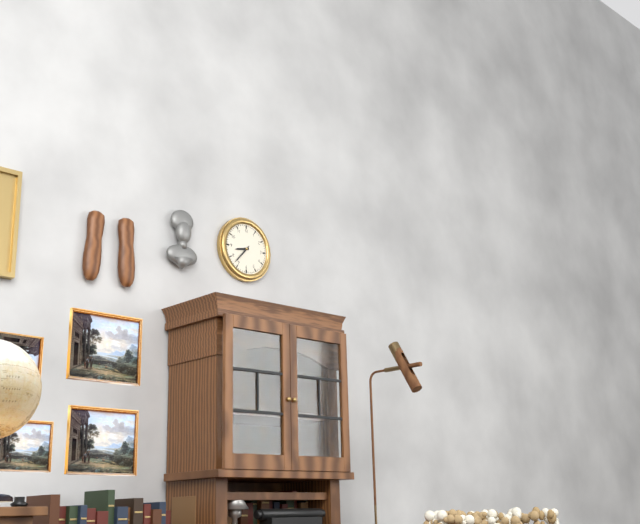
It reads 8.37
